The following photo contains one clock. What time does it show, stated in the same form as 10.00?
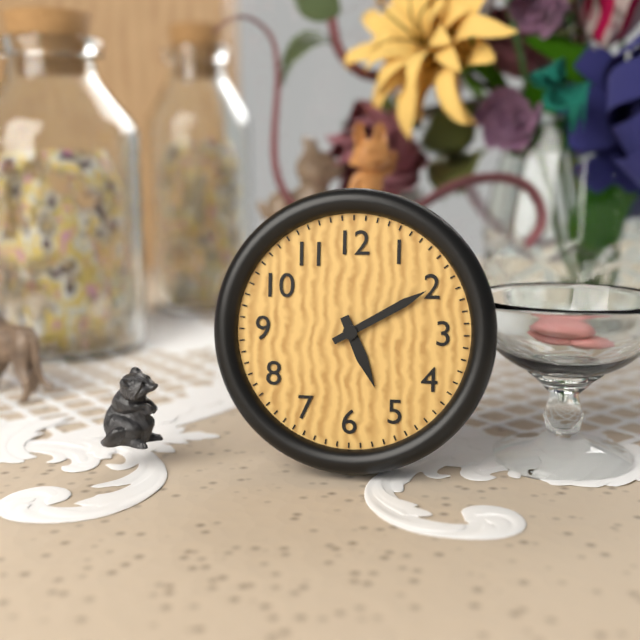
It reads 5.10
